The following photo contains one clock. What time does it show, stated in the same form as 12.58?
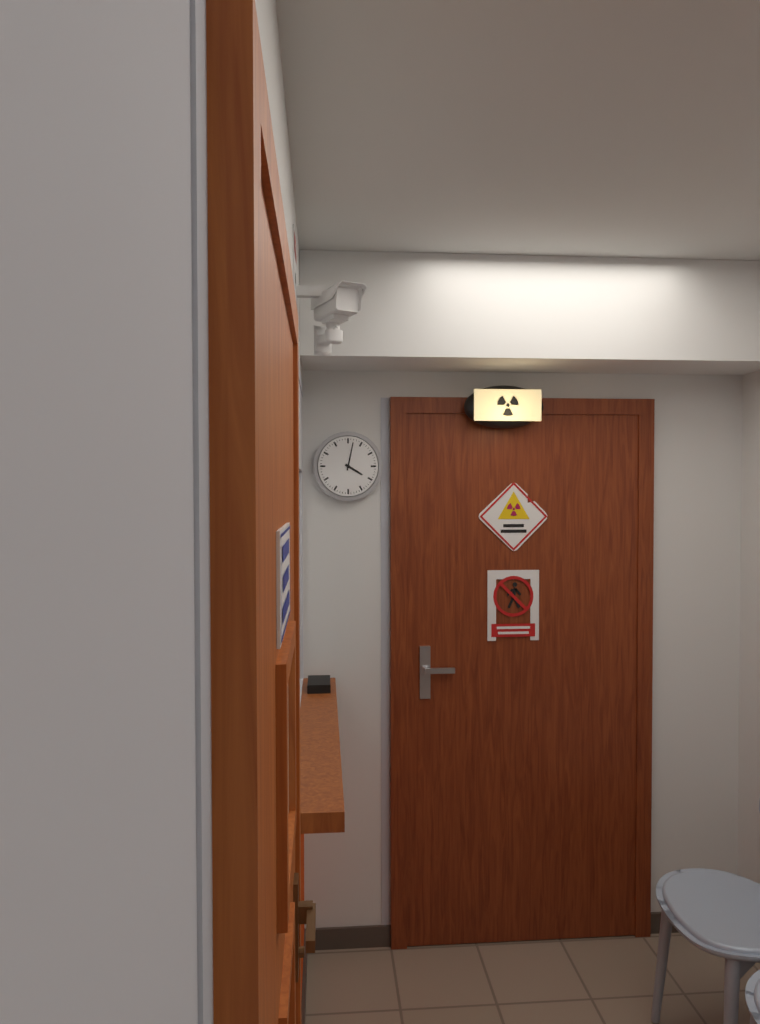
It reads 4.02
